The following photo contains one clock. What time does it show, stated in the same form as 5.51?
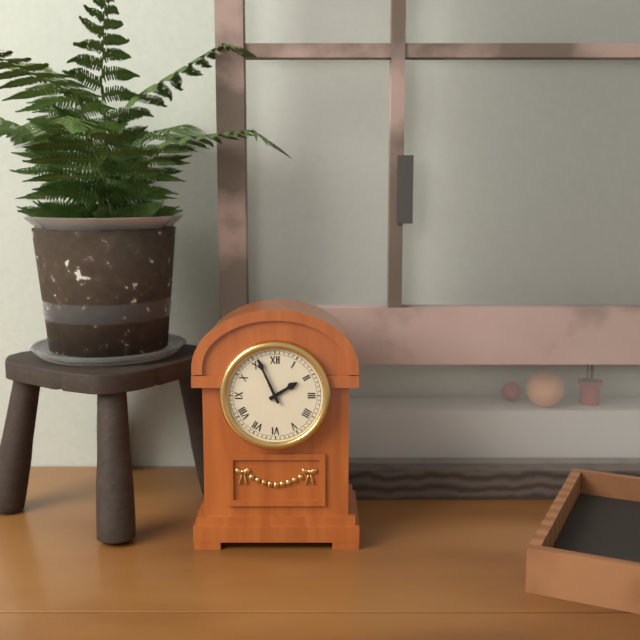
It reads 1.56
